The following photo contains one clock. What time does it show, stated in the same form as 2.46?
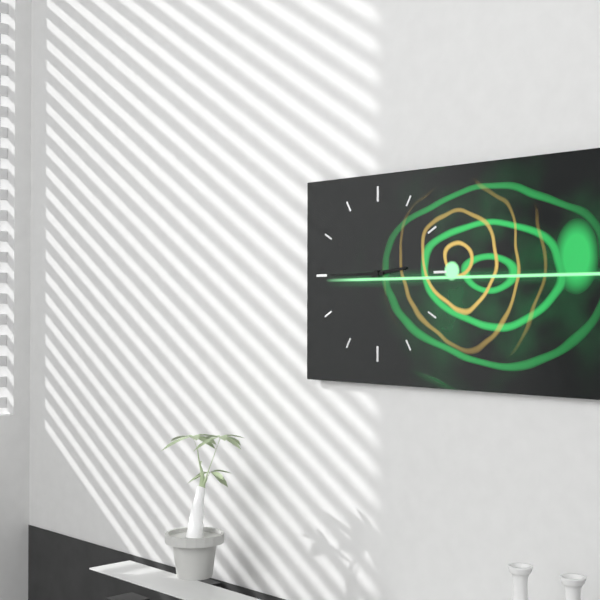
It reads 2.45
